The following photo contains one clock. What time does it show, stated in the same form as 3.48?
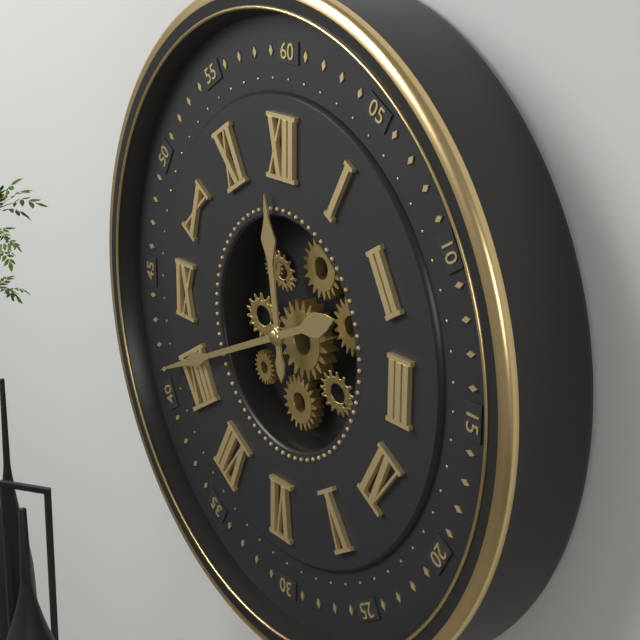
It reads 11.41
